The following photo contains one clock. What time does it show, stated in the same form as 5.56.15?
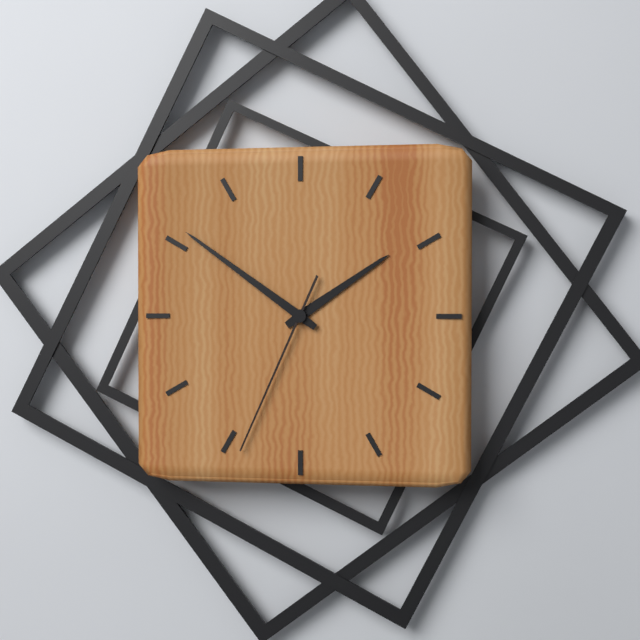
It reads 1.51.34
